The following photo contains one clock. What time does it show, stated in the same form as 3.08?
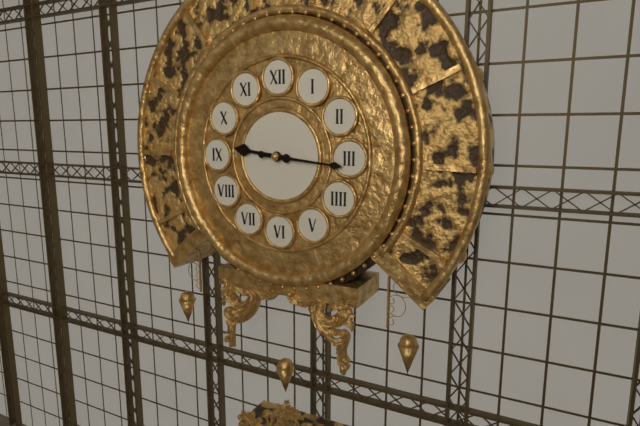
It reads 9.16
